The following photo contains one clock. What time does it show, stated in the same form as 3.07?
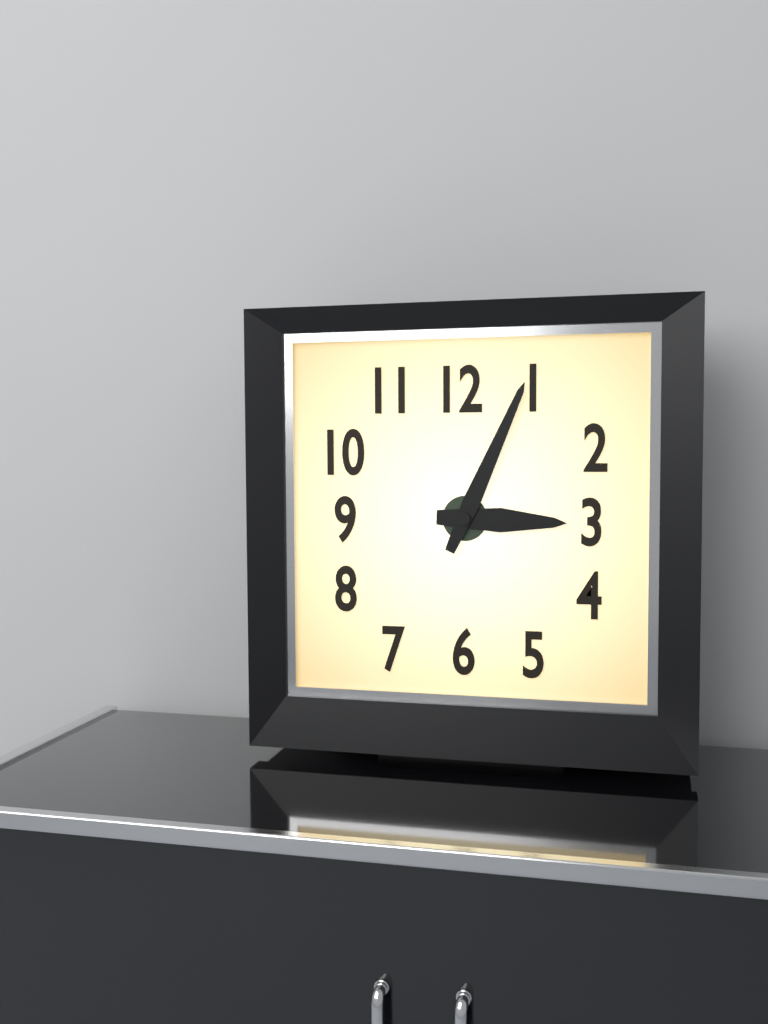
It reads 3.04
